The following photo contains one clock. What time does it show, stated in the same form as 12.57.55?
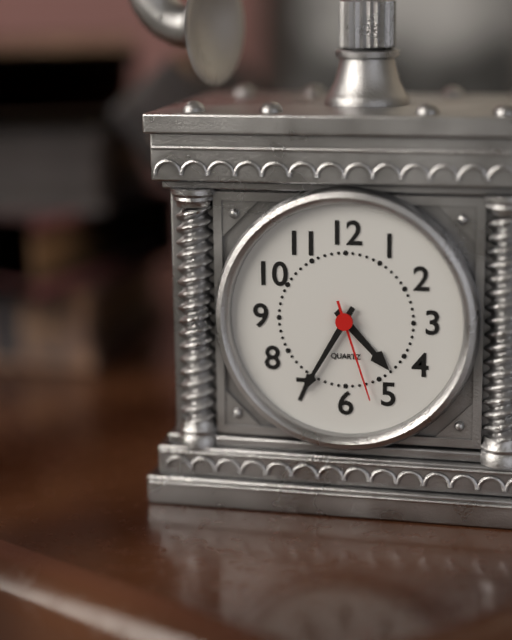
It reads 4.35.27
